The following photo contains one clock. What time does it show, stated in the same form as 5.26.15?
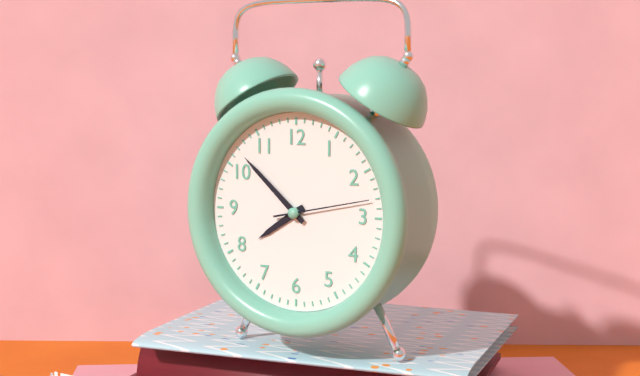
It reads 7.52.13
